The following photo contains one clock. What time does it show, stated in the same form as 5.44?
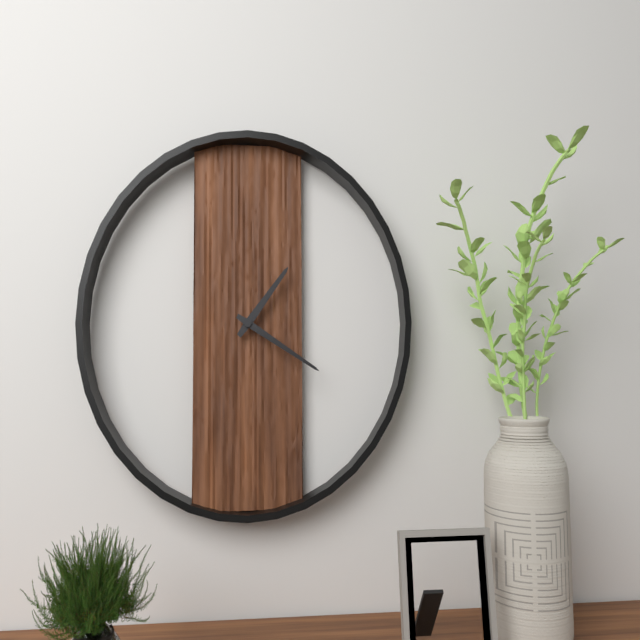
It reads 1.20
